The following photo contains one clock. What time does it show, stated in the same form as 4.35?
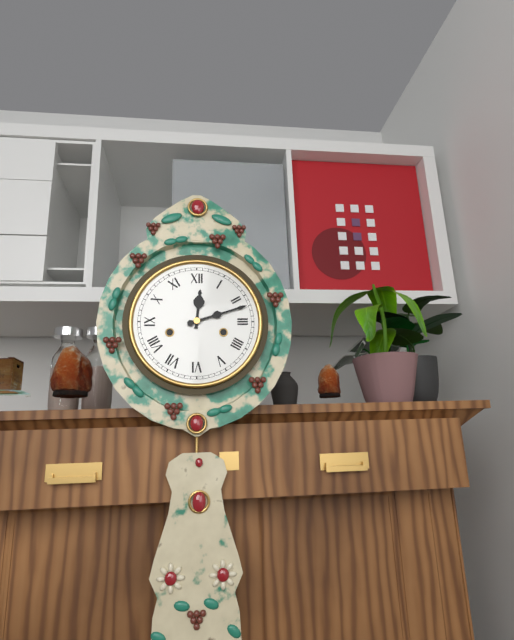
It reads 12.12
